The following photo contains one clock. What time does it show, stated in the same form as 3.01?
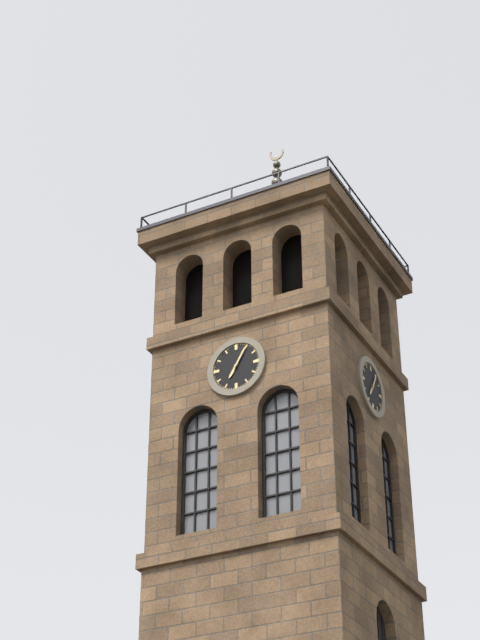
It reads 7.05
